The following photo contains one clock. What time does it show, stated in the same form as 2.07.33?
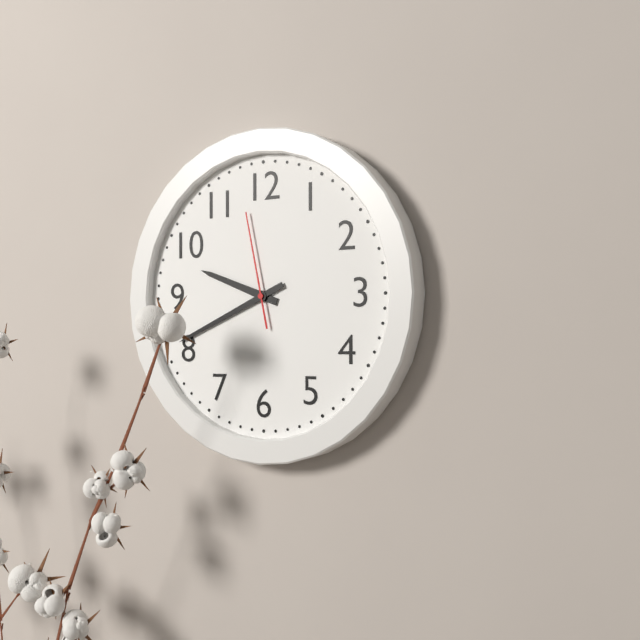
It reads 9.41.58
